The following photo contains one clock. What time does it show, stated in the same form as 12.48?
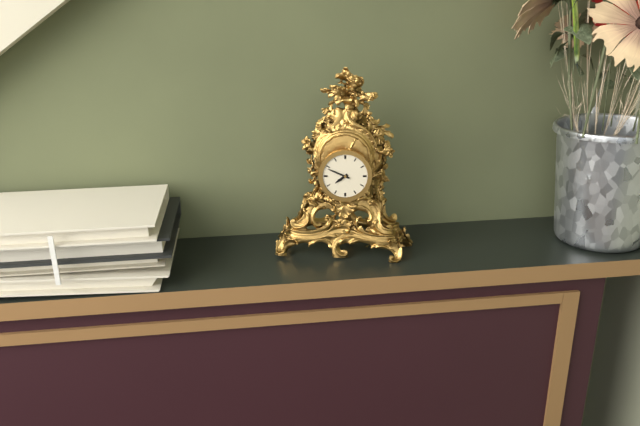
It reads 7.49
